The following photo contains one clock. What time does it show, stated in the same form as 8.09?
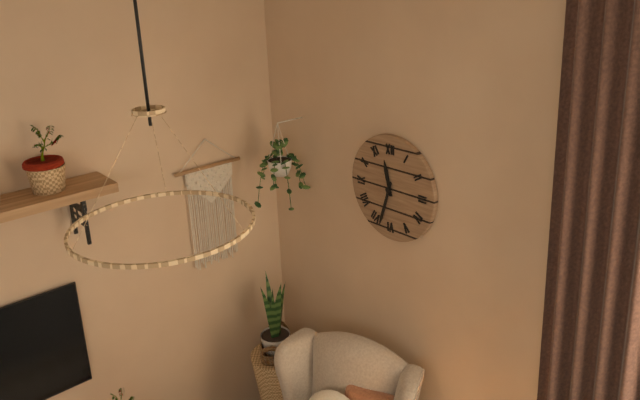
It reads 11.33
